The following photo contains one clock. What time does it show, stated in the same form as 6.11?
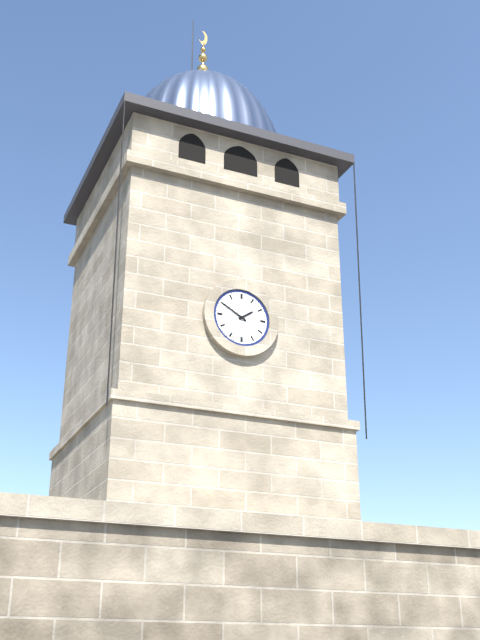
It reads 1.50
